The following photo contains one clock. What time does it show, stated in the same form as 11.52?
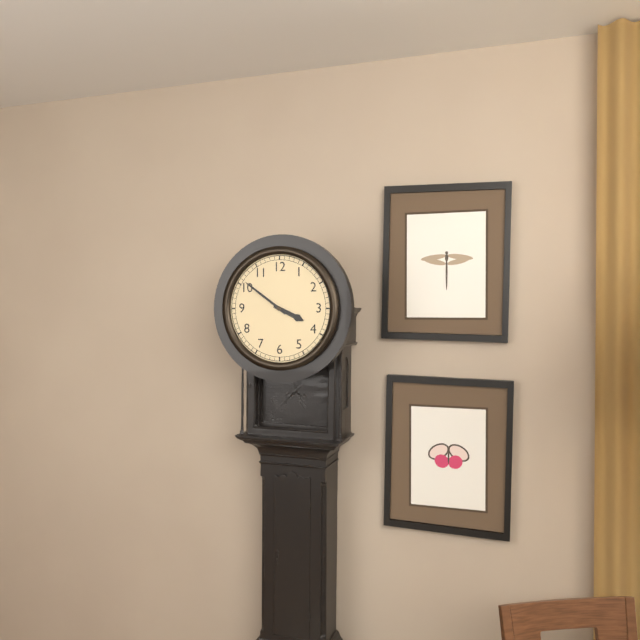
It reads 3.51
